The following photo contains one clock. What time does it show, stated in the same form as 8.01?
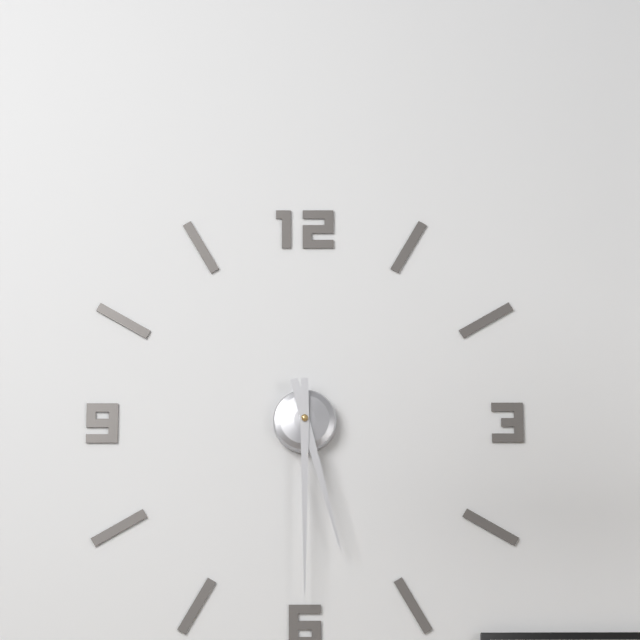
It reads 5.30
